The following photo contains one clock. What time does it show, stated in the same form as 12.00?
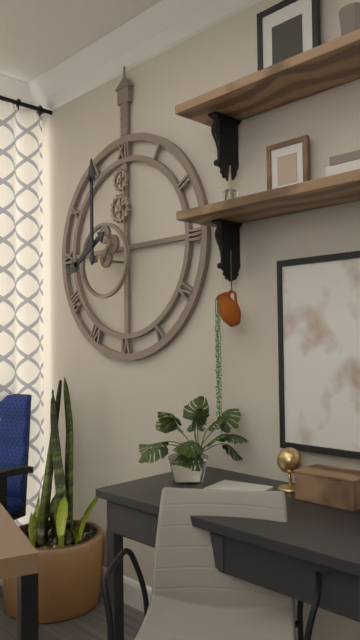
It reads 8.00
